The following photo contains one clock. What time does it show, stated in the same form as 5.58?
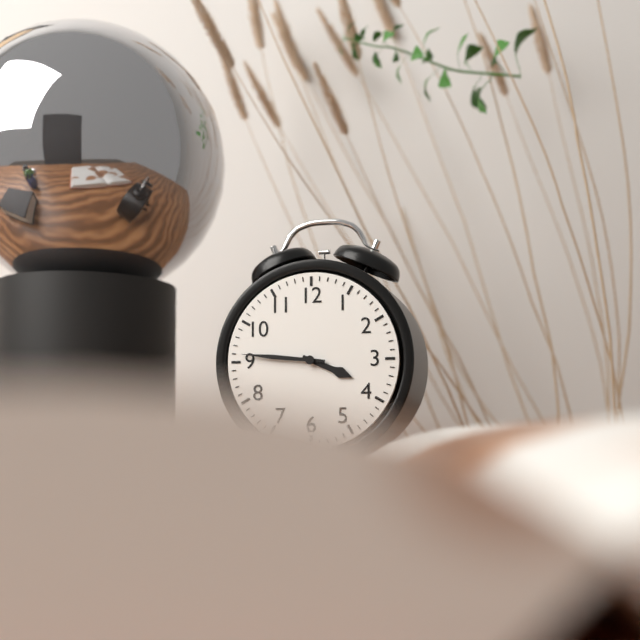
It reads 3.46
